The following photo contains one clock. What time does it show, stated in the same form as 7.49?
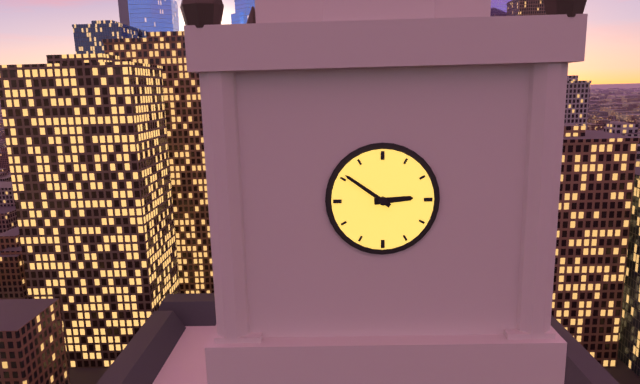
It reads 2.51
